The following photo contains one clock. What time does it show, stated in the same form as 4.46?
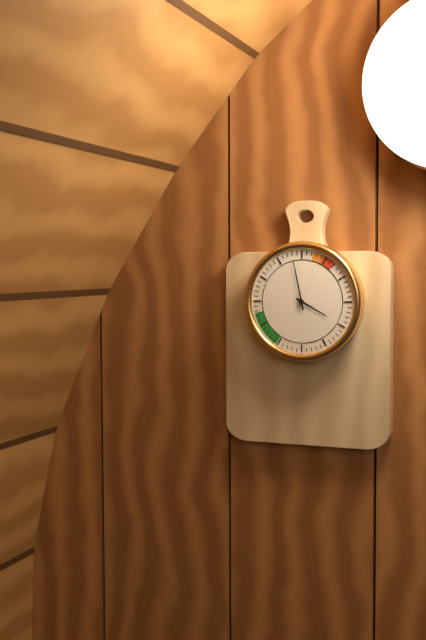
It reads 3.58
